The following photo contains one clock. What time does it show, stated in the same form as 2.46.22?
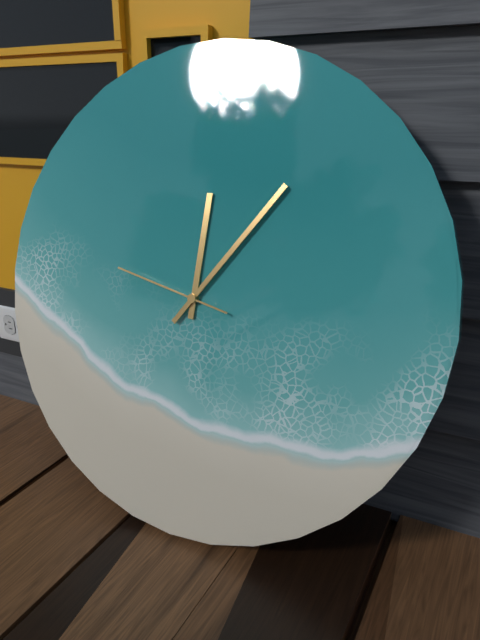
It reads 12.06.47
